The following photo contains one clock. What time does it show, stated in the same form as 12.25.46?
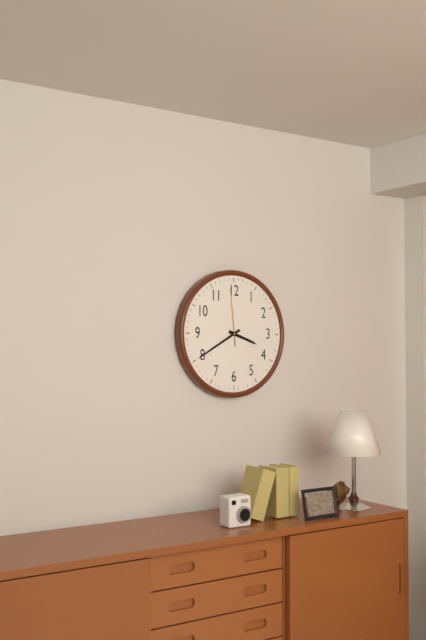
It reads 3.40.59
